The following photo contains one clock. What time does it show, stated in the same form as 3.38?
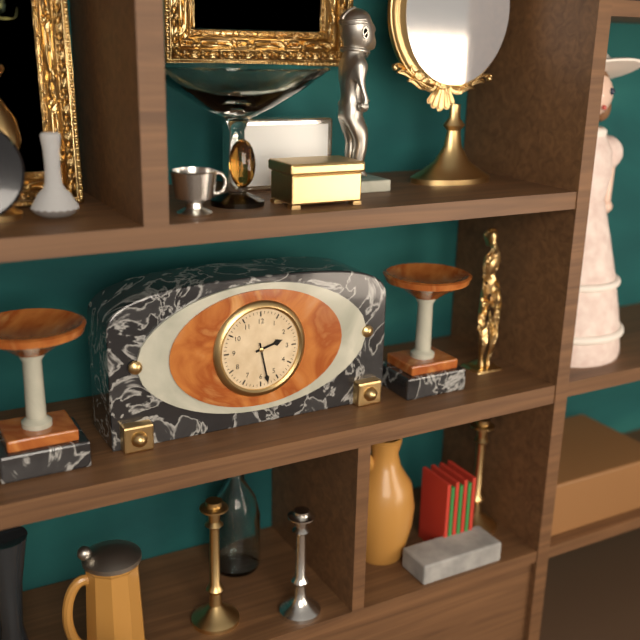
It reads 2.28
